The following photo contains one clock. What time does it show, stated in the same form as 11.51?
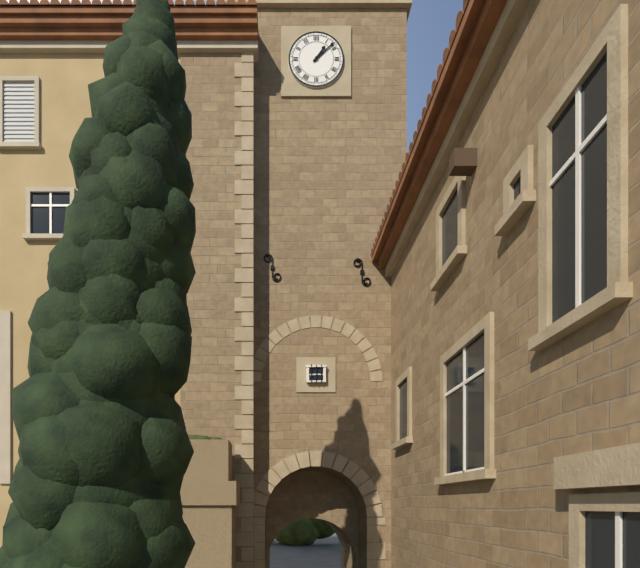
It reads 1.08
